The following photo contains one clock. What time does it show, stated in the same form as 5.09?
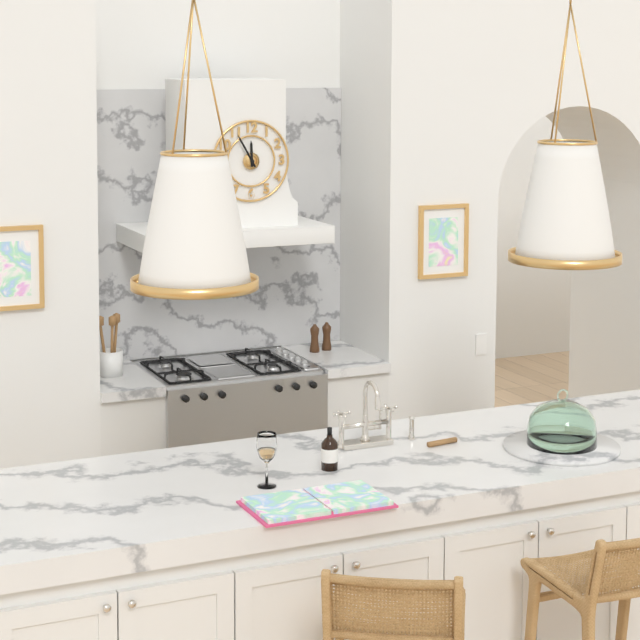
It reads 11.55
